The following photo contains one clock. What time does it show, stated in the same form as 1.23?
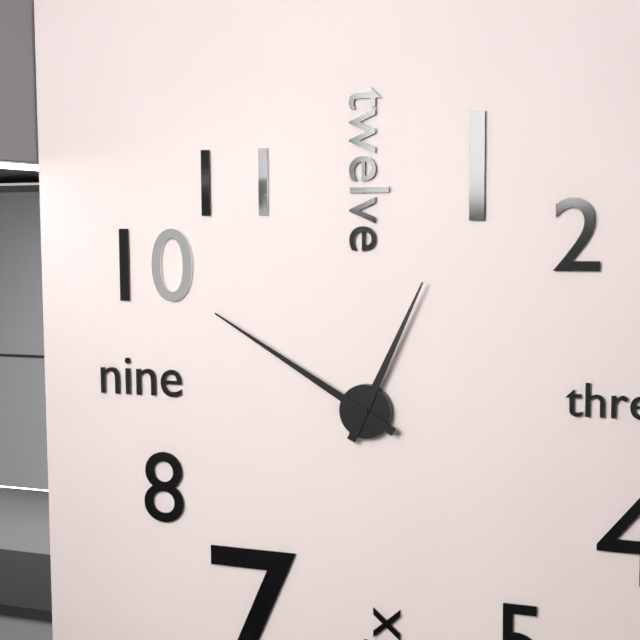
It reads 12.50
